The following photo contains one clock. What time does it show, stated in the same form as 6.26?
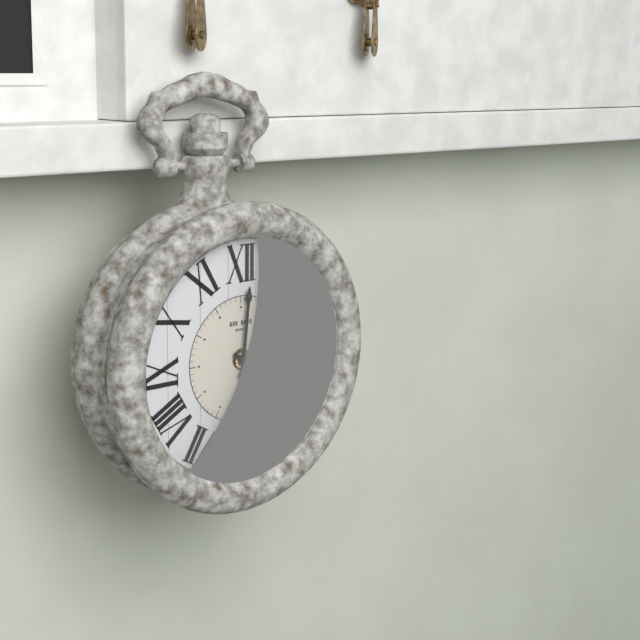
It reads 4.01
